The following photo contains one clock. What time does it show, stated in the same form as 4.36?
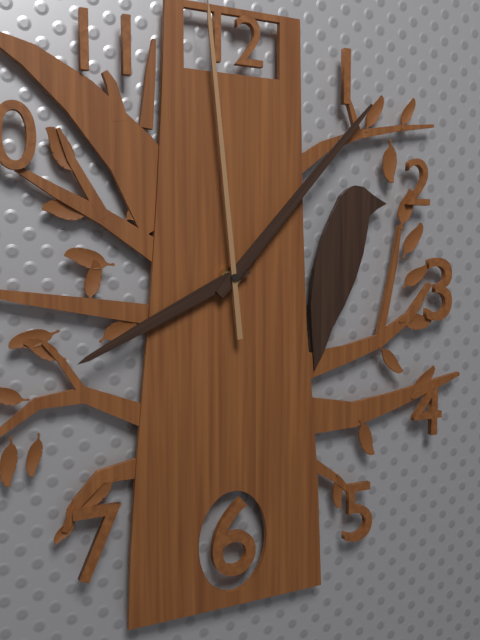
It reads 8.07
